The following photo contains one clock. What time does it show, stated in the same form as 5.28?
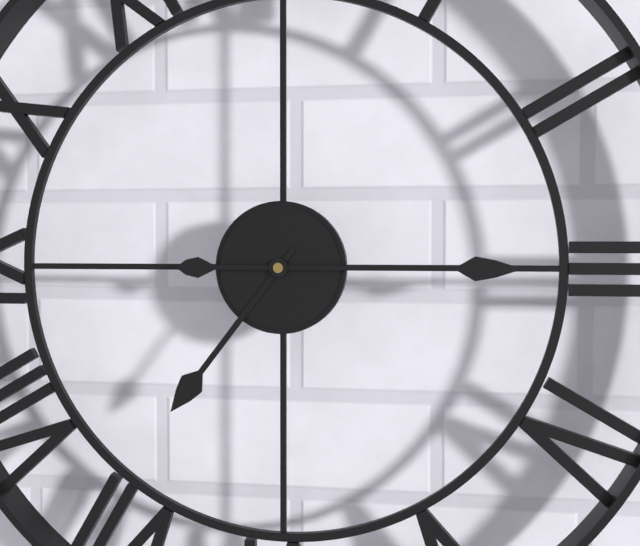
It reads 7.15
